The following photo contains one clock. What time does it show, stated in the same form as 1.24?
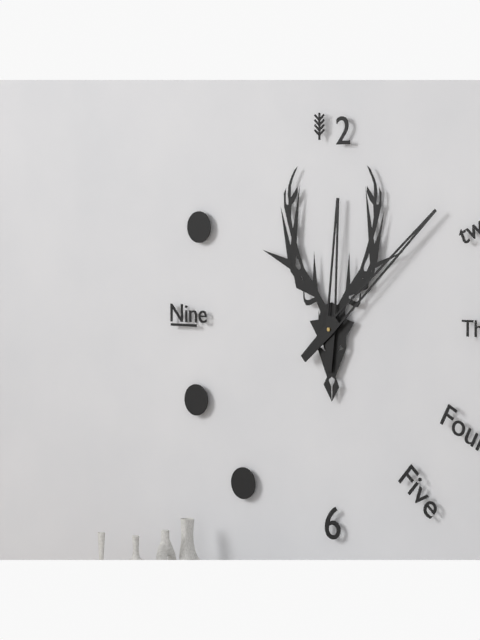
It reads 12.08
